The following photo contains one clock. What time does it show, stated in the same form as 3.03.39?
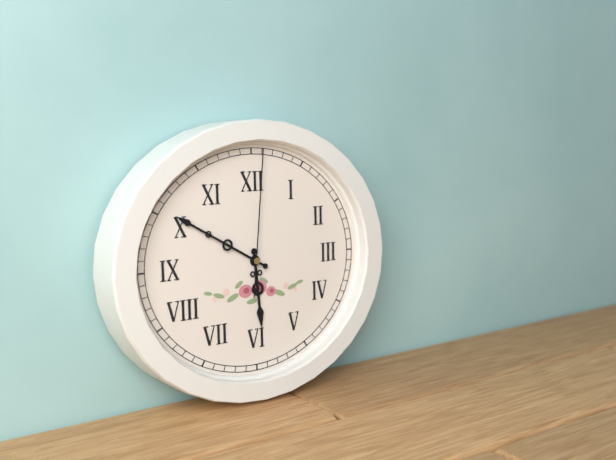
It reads 5.50.01
